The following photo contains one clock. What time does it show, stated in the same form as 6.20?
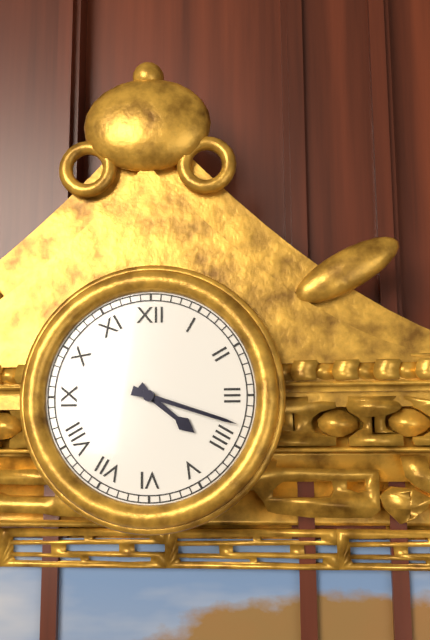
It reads 4.18
